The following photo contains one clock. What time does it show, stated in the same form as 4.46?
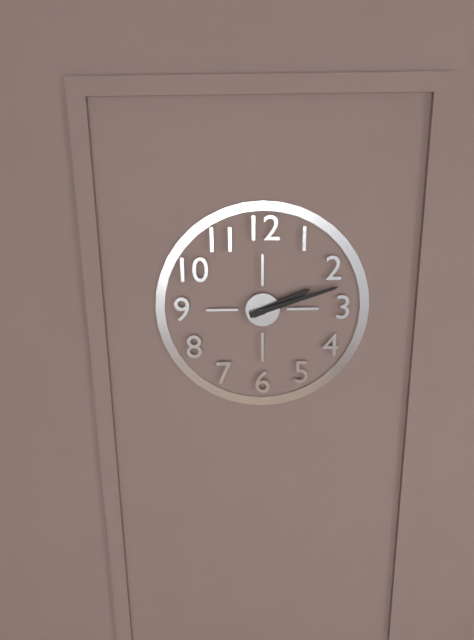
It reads 2.12
